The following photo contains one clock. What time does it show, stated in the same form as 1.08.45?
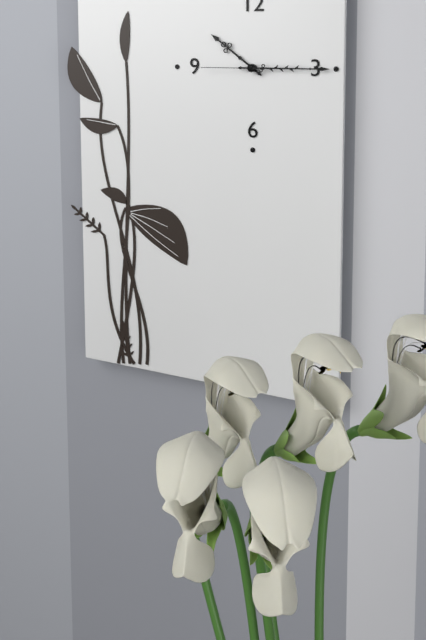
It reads 10.15.45
